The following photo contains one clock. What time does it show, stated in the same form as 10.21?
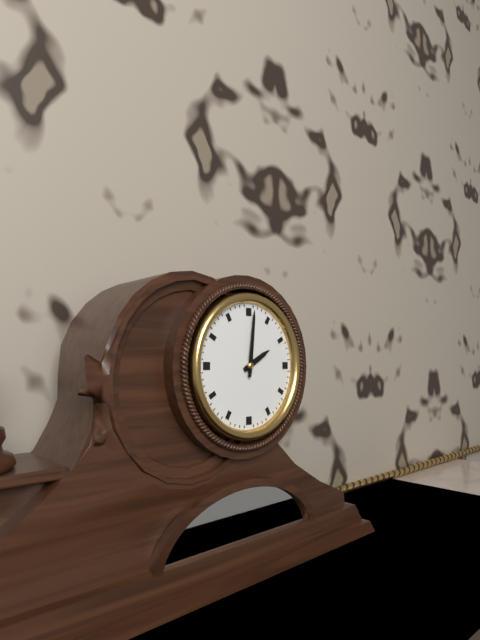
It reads 2.01
